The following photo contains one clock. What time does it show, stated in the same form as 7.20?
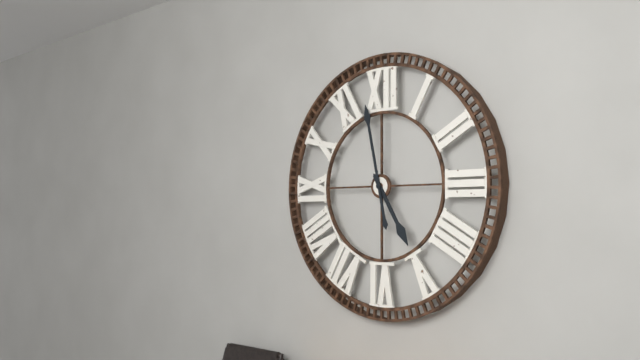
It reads 4.58
